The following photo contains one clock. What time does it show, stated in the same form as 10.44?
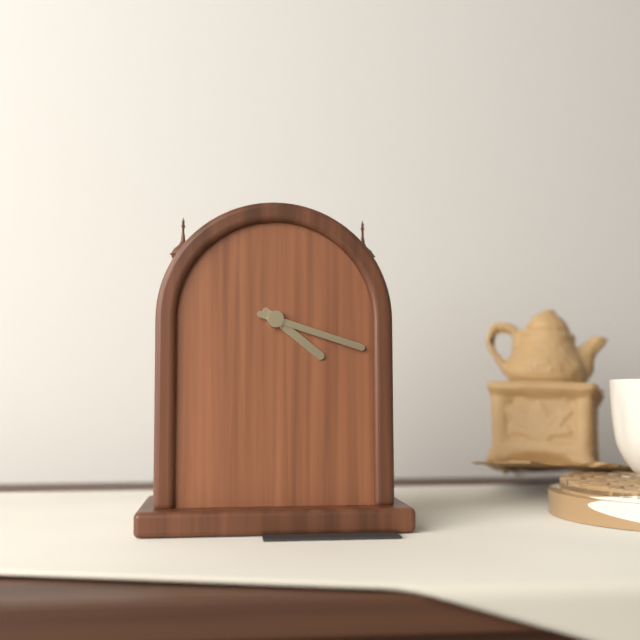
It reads 4.18
